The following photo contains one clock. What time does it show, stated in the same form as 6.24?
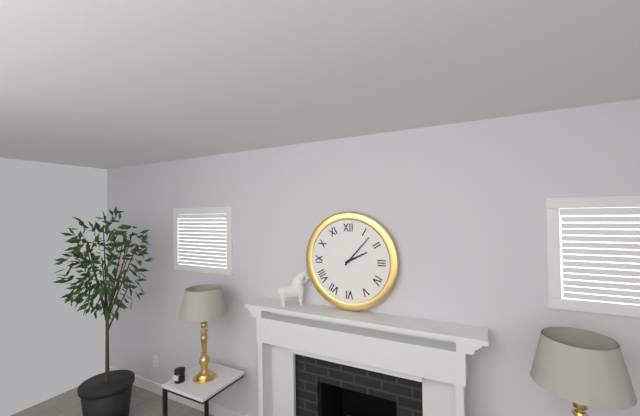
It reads 2.07
